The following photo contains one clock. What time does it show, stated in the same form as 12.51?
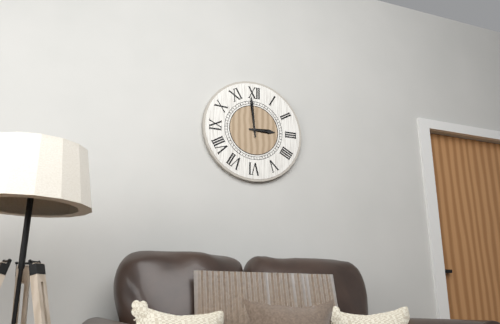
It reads 2.59
